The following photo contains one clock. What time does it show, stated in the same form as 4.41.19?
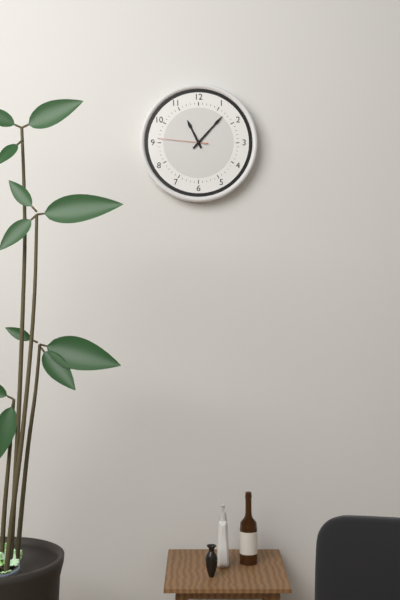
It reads 11.07.46
